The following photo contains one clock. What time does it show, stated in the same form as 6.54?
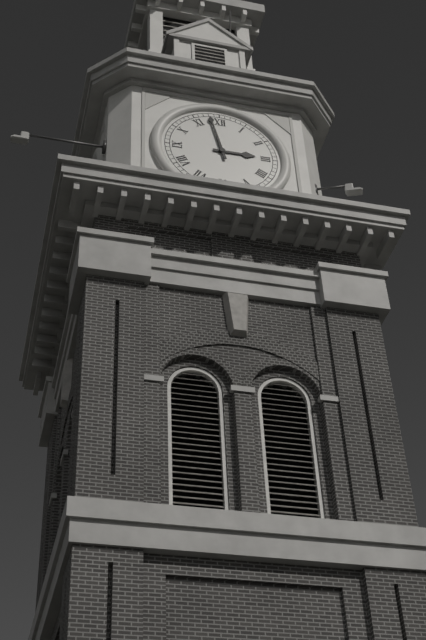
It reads 2.58
